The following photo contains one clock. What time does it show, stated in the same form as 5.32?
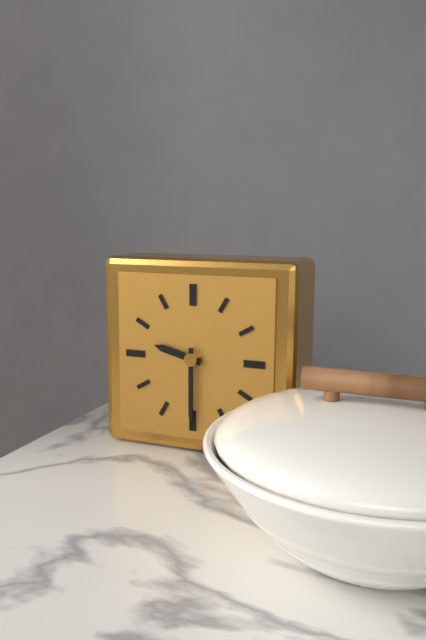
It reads 9.30
